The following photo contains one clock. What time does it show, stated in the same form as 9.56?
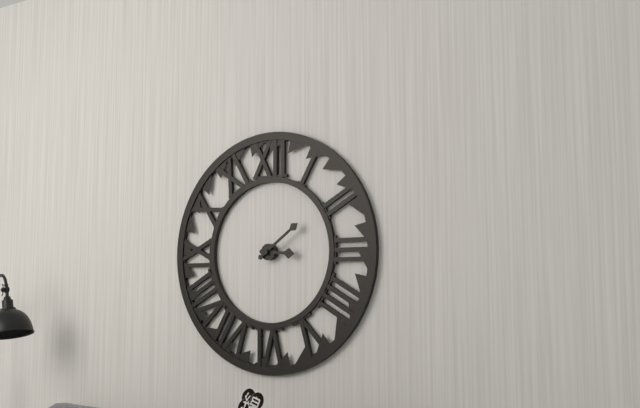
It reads 3.09
